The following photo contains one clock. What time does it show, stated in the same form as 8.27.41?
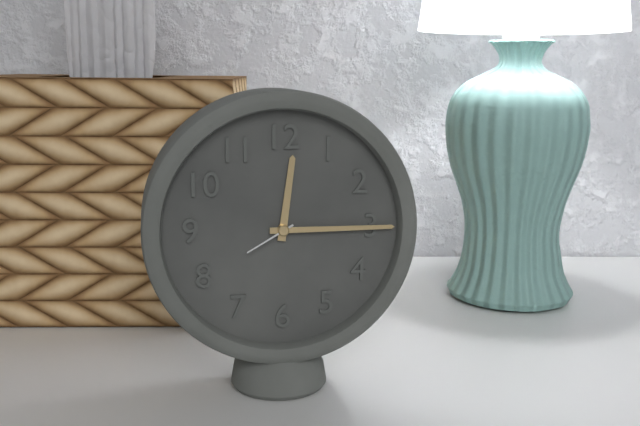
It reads 12.15.40
